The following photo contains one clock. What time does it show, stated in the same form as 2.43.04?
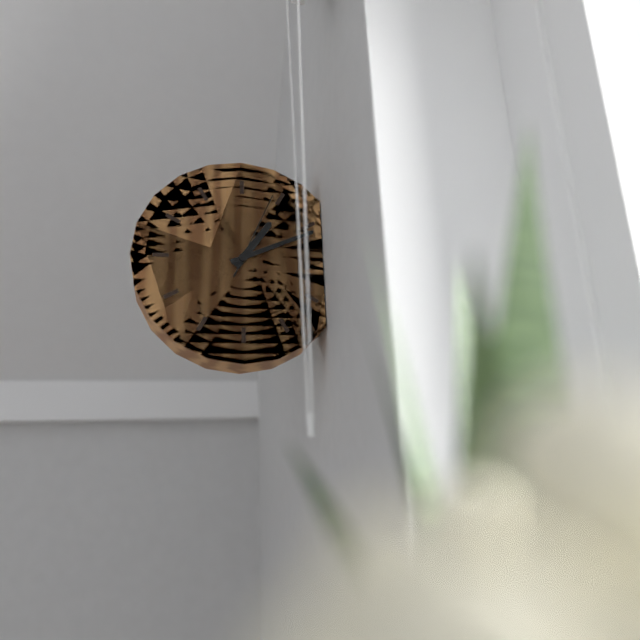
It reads 1.11.04
